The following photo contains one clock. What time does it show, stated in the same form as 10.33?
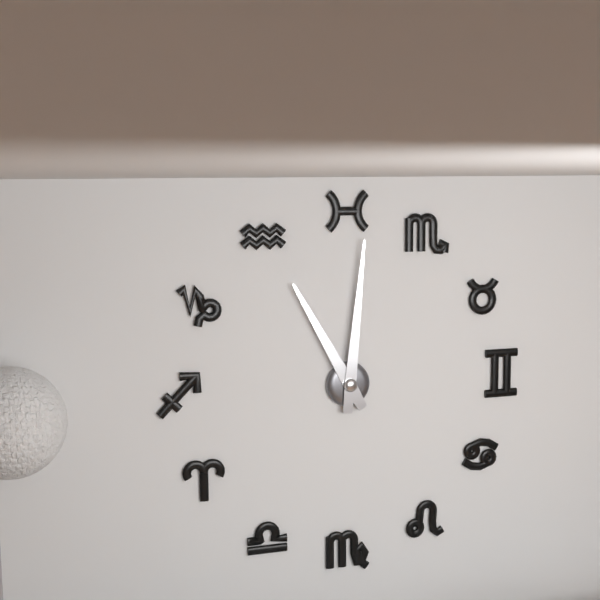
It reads 11.01
